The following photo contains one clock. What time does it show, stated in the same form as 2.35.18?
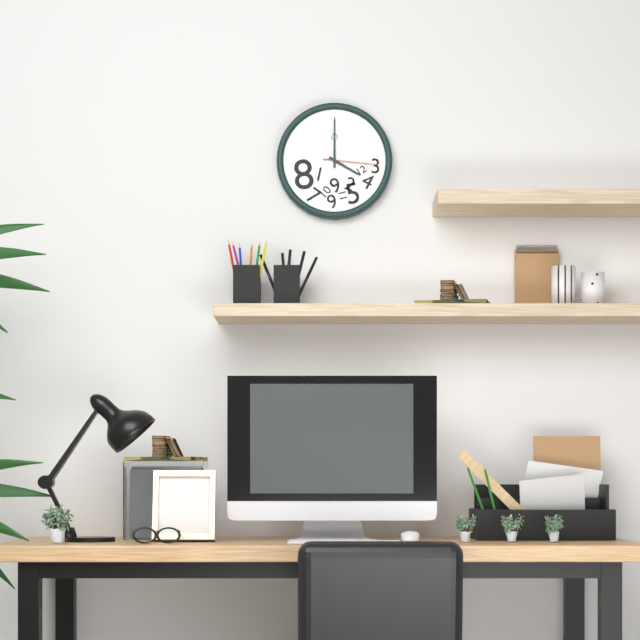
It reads 4.00.16
